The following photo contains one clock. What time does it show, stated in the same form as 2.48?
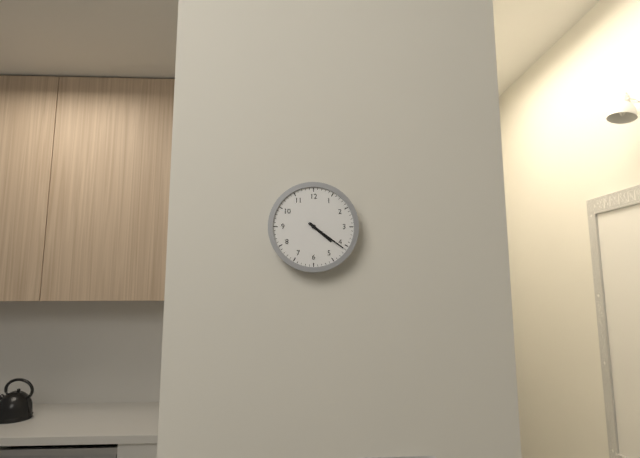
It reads 4.21
